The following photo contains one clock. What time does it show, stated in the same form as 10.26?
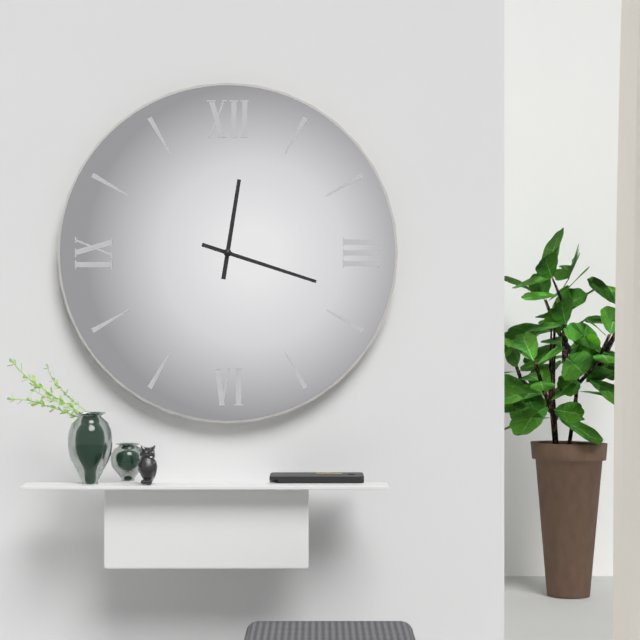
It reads 12.18
